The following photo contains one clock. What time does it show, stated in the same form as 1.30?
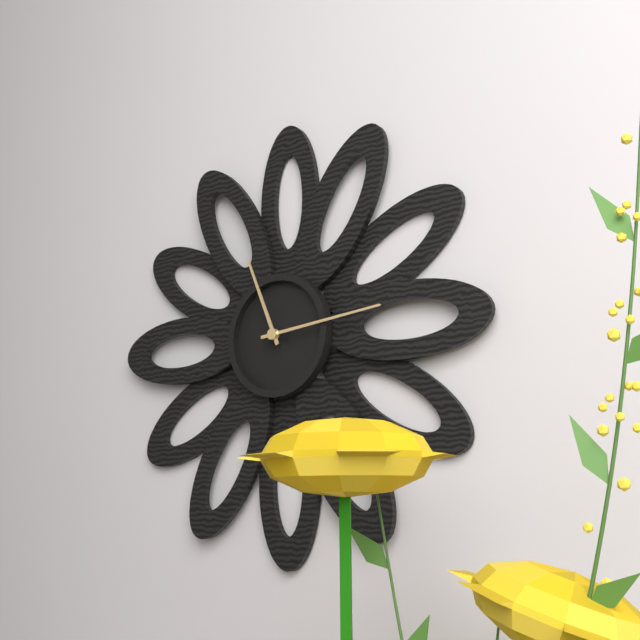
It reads 11.14
